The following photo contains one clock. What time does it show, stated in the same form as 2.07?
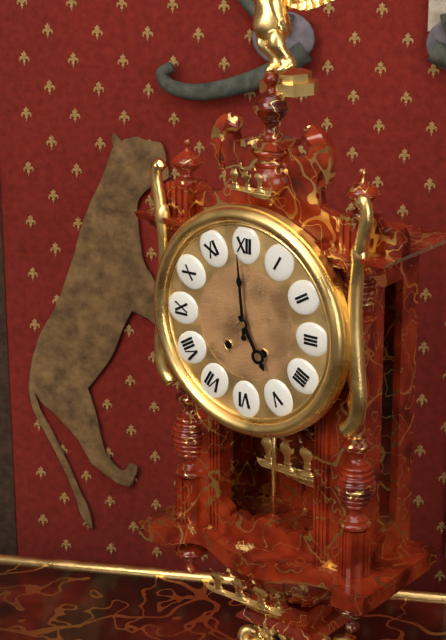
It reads 4.59
